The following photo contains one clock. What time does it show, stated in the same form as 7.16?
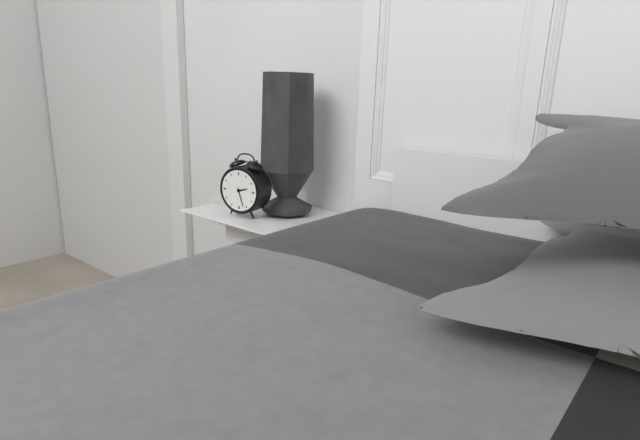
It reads 2.27
